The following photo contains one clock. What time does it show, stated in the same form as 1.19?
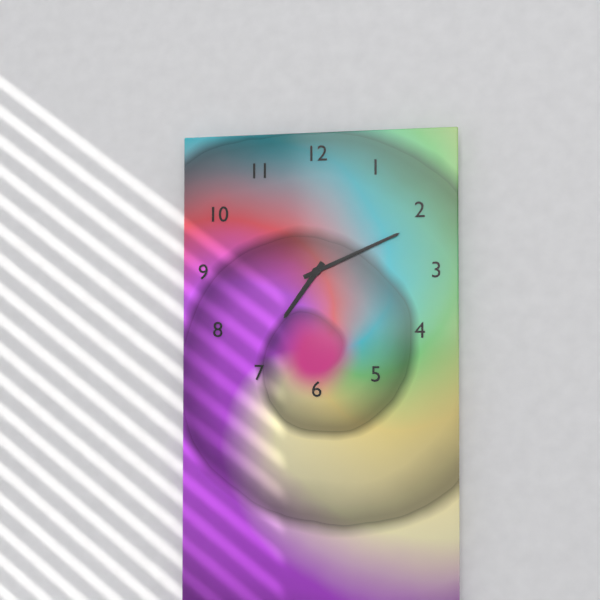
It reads 7.11
